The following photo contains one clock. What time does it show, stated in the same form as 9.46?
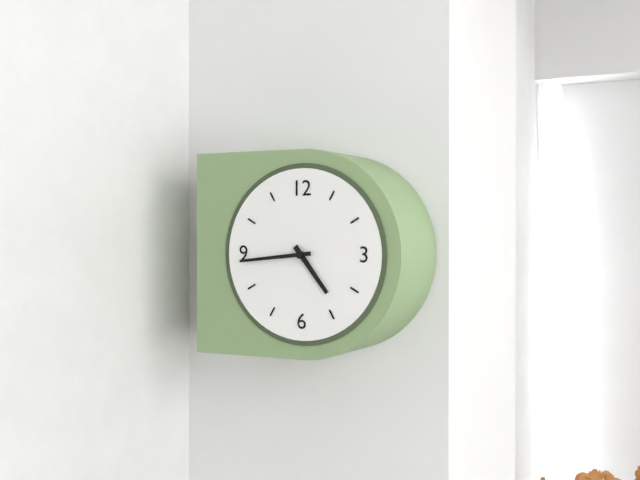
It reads 4.44
